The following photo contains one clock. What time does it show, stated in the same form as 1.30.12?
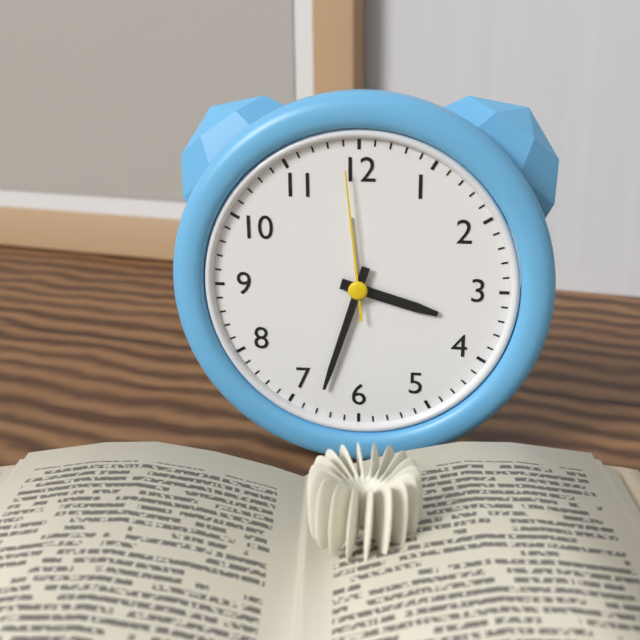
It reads 3.33.59
